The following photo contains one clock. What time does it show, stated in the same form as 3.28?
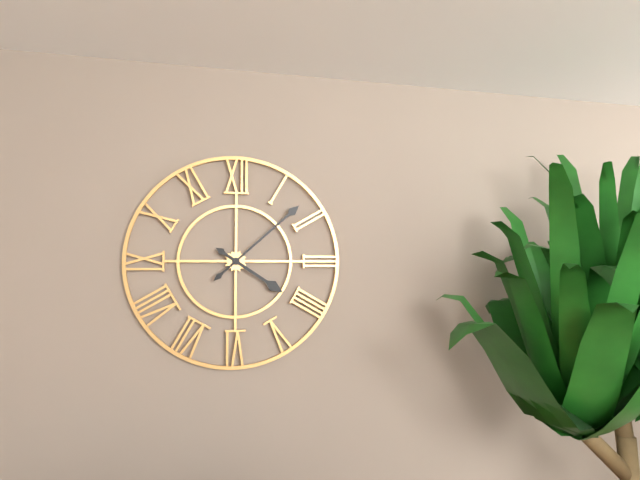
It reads 4.08
